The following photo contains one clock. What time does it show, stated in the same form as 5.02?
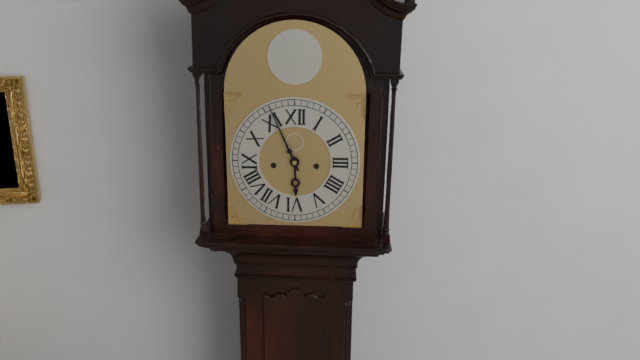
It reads 5.56
